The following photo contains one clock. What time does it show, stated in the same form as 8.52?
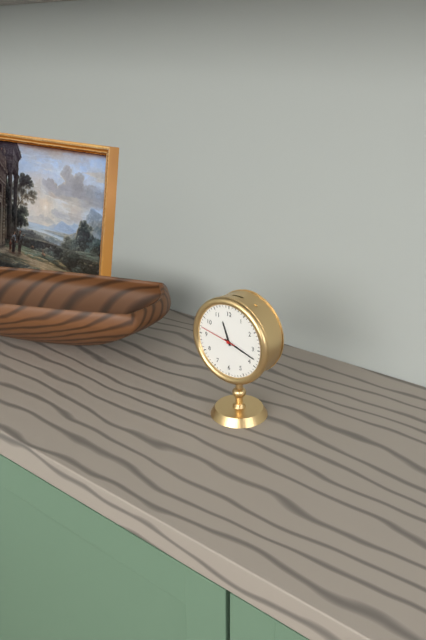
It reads 11.18
